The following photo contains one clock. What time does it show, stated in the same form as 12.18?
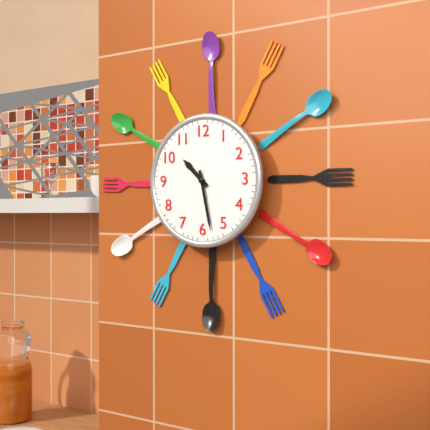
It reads 10.28
